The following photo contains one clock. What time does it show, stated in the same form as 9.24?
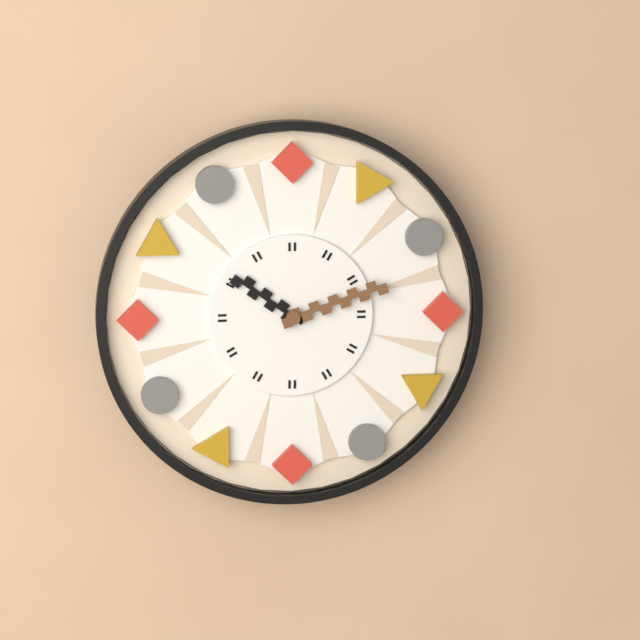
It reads 10.12
